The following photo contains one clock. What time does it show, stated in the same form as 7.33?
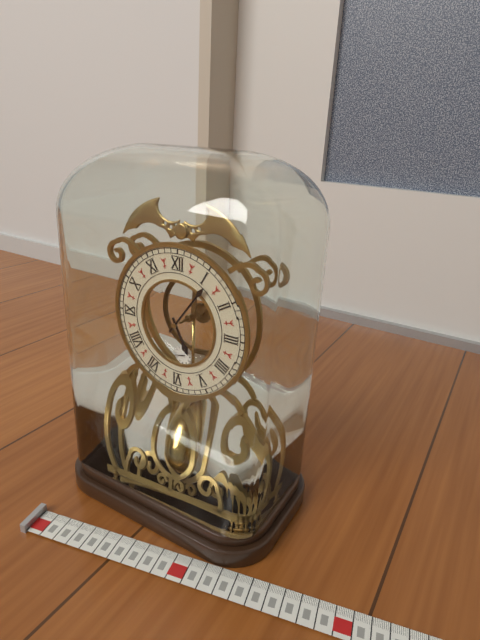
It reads 5.06
